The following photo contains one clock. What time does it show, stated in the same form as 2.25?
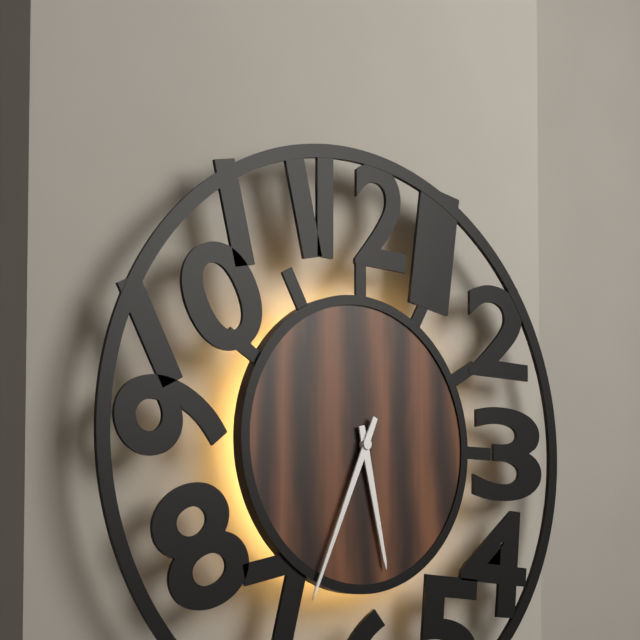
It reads 5.34
